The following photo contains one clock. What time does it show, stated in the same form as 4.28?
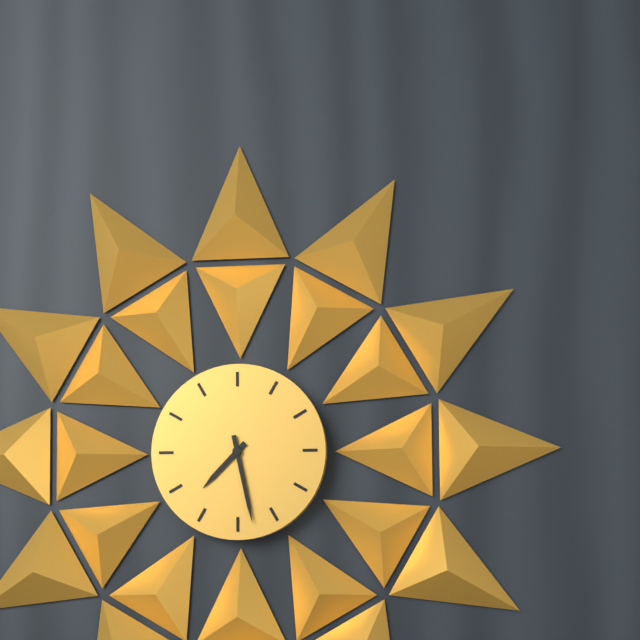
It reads 7.28
